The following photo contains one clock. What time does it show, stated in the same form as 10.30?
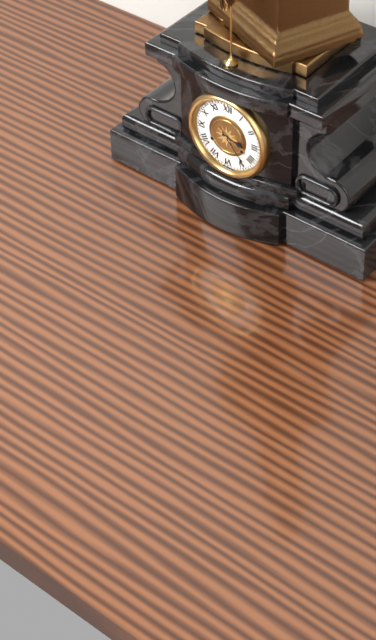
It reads 3.23
